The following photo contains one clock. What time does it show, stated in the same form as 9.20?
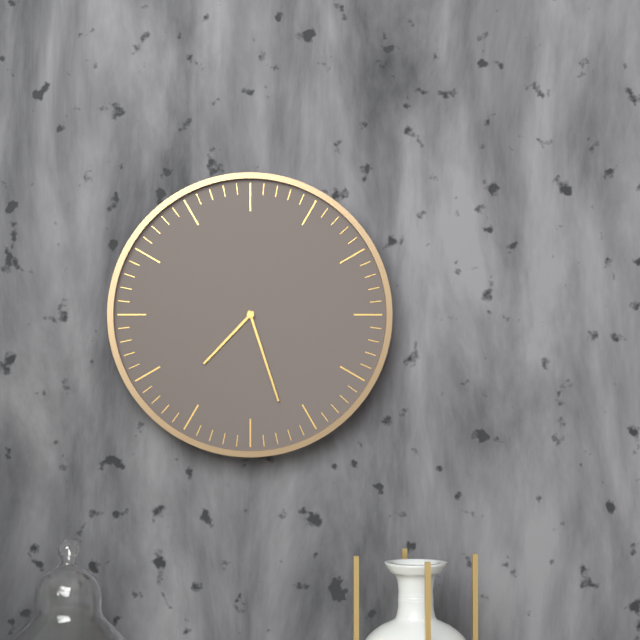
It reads 7.27
